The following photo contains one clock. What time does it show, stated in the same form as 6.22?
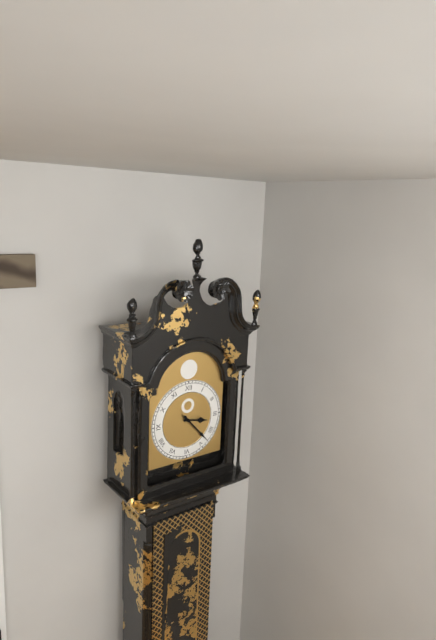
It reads 3.23
